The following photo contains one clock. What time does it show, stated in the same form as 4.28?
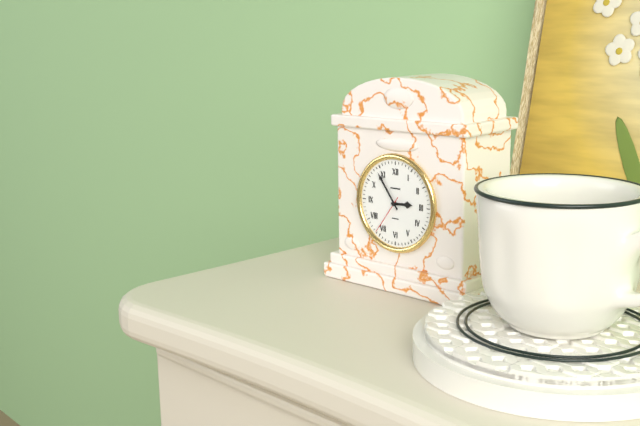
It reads 2.54
